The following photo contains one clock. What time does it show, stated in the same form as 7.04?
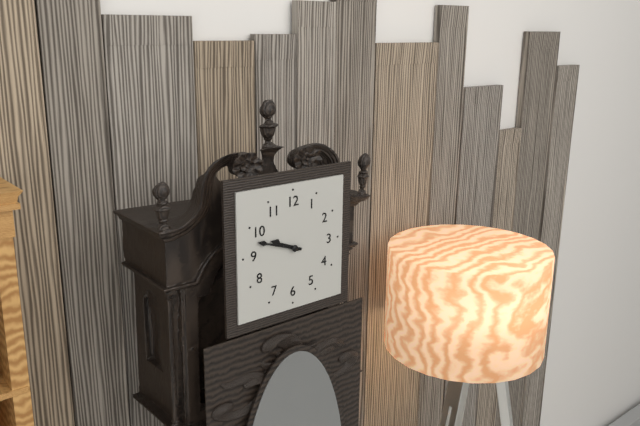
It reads 9.48
